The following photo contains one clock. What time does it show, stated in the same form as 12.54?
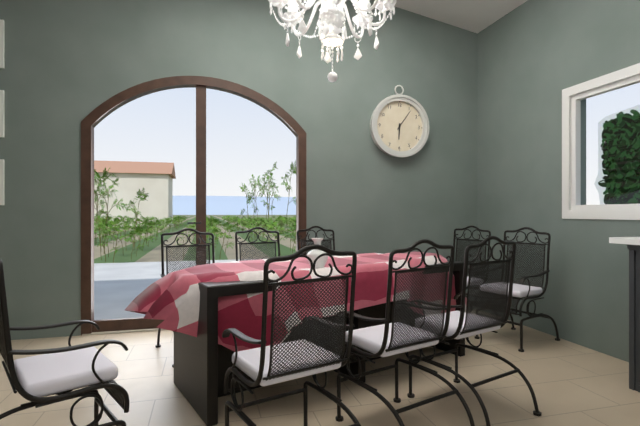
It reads 6.06
